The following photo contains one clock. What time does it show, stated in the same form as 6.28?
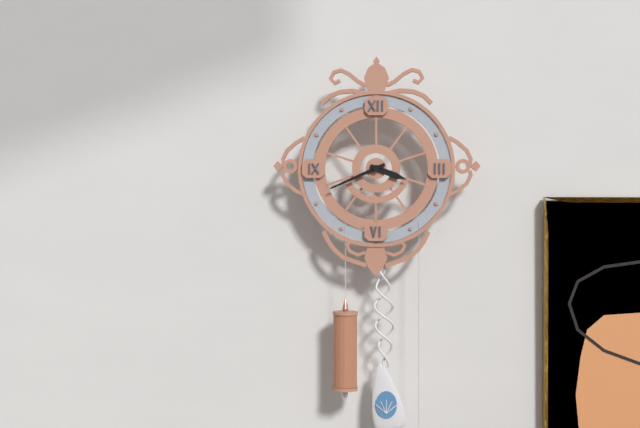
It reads 3.41
